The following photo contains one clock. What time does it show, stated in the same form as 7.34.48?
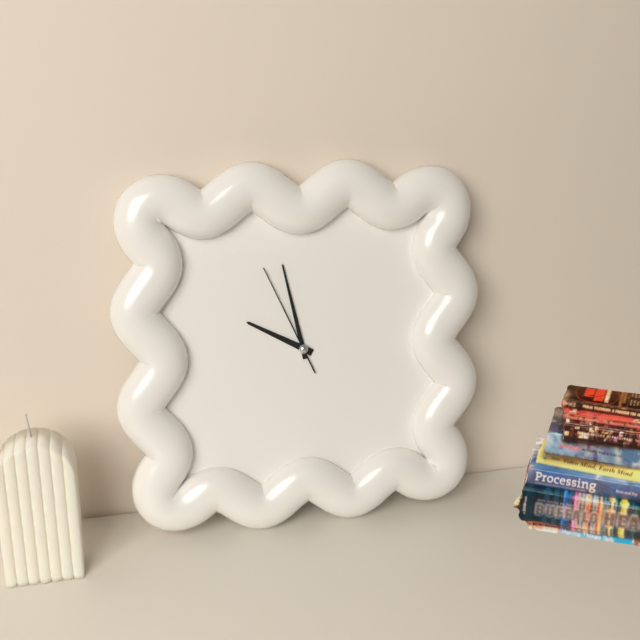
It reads 9.58.56
